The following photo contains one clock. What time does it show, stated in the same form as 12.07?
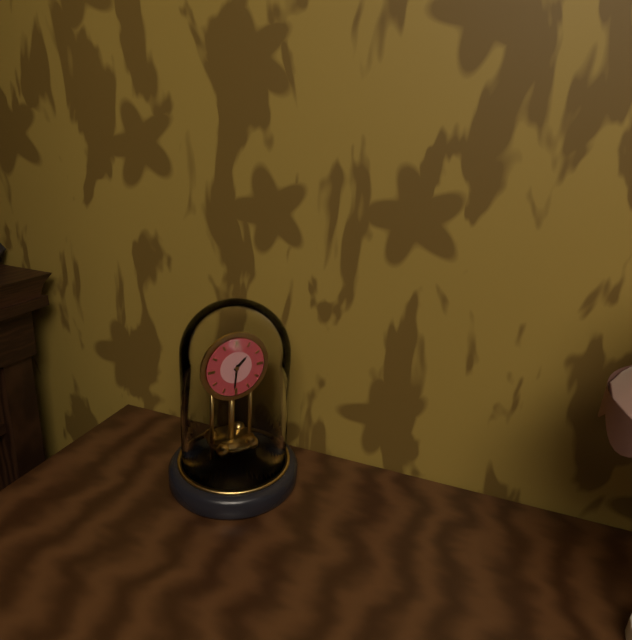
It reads 1.31
